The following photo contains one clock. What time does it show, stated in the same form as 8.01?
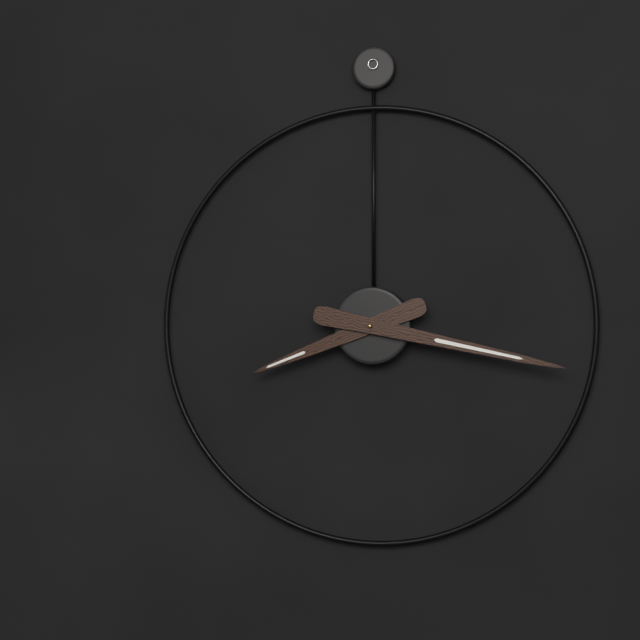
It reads 8.17
